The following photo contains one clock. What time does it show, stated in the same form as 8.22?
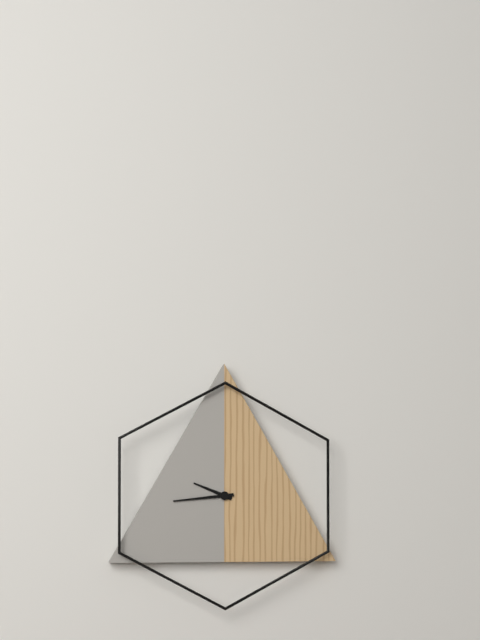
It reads 9.44
